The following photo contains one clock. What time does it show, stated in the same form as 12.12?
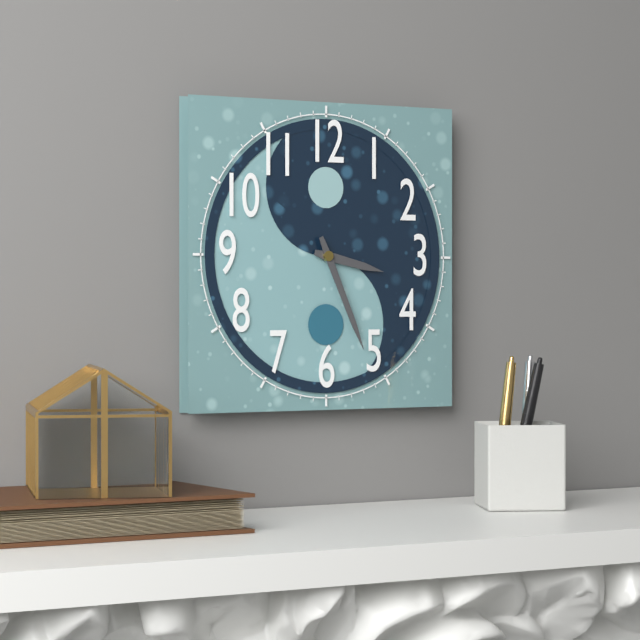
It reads 3.26
